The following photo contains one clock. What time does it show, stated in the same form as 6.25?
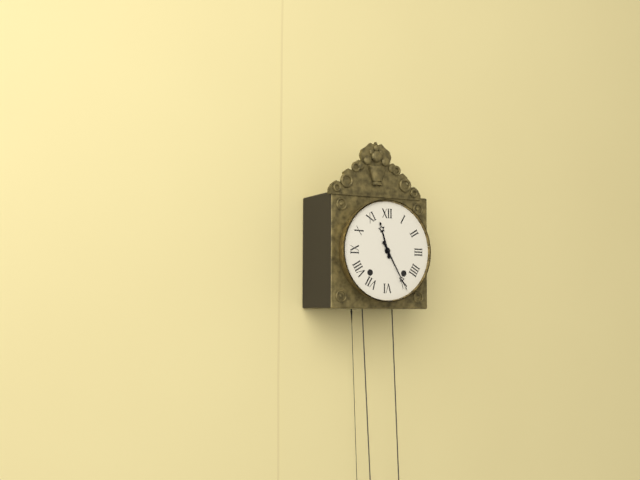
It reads 11.25
